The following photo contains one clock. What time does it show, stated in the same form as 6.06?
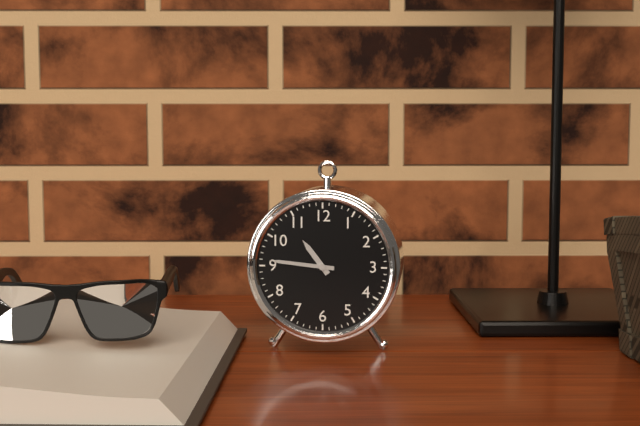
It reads 10.46
